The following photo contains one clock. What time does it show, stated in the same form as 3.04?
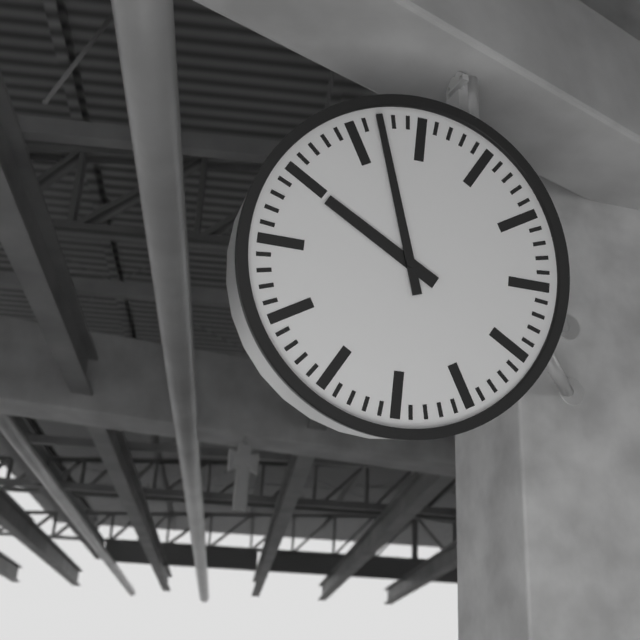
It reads 9.57
